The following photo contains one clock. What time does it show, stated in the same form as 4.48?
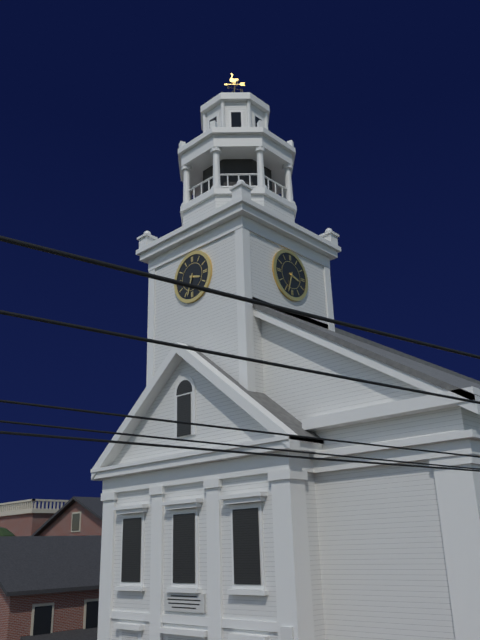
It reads 3.33
